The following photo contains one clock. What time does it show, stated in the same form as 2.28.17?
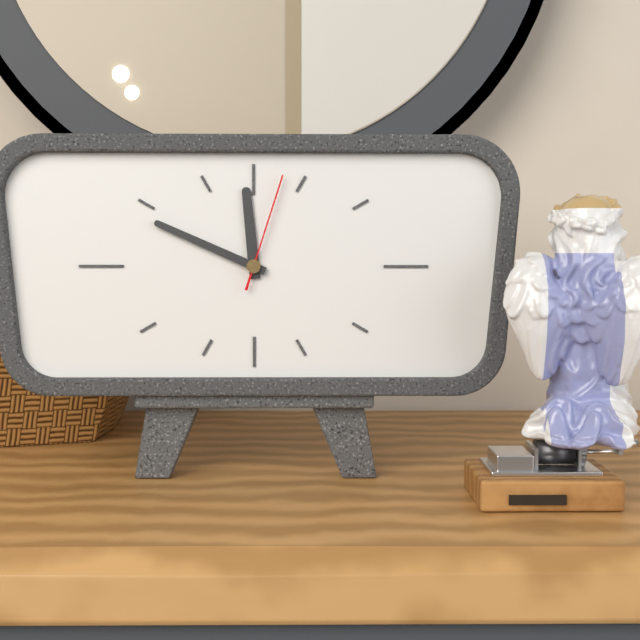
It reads 11.49.03
